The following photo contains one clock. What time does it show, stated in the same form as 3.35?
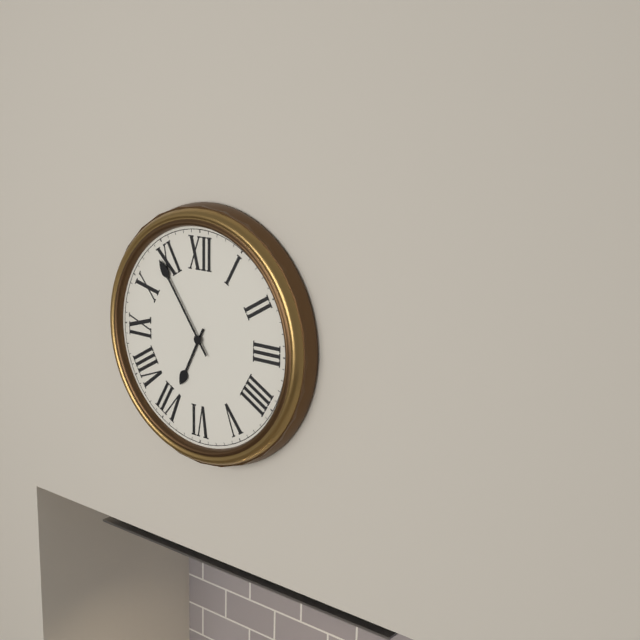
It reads 6.54
